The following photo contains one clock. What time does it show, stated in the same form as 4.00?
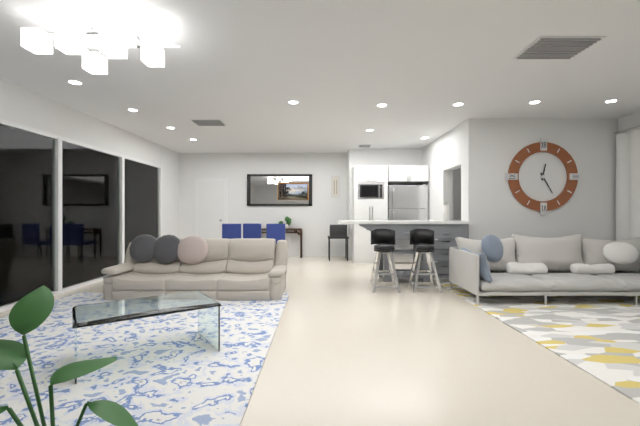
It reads 12.25
